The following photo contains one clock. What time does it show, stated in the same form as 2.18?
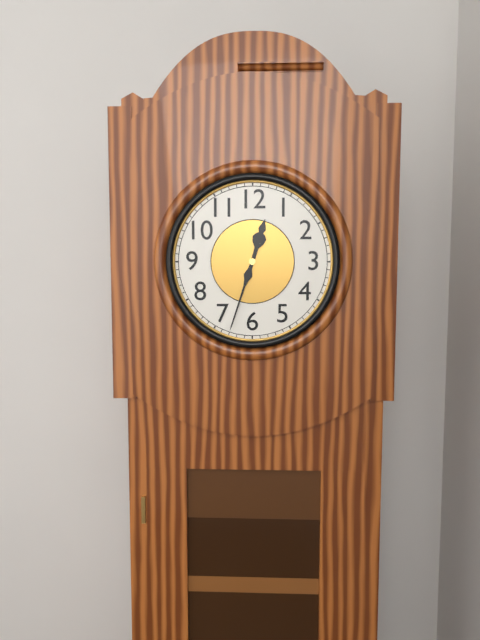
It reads 12.33
